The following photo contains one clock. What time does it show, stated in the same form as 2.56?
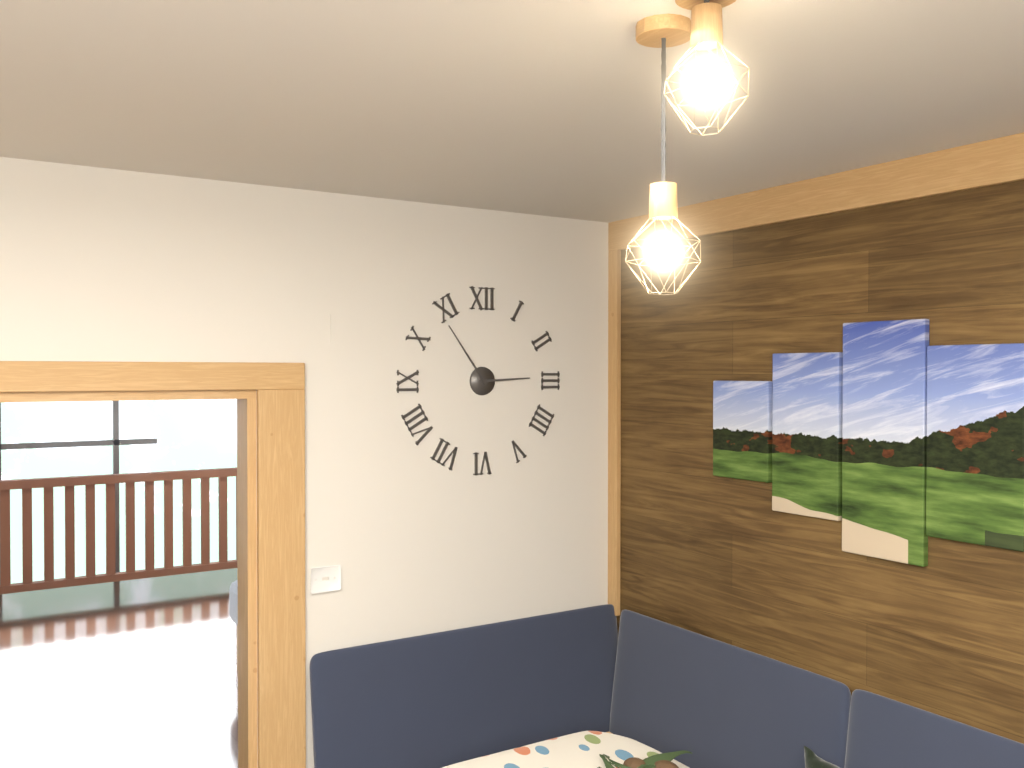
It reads 2.54
